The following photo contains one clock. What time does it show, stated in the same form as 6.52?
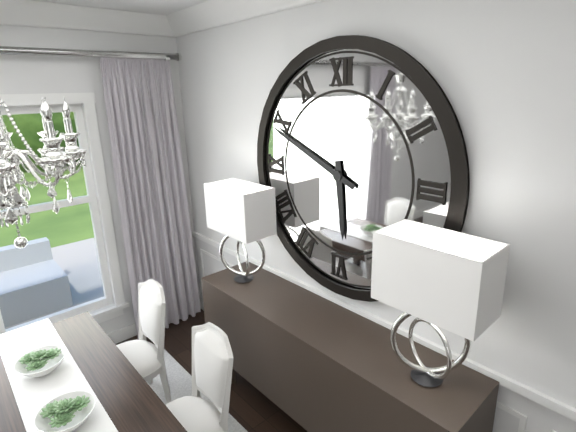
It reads 5.49
